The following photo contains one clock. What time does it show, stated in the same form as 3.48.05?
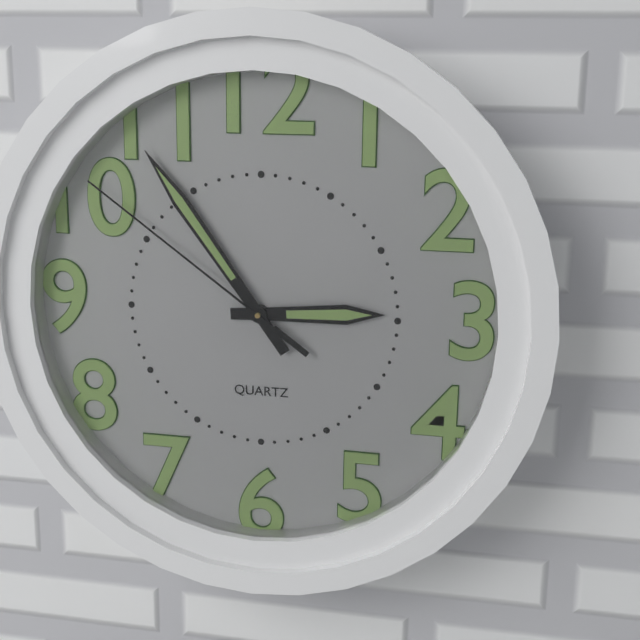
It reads 2.54.51
